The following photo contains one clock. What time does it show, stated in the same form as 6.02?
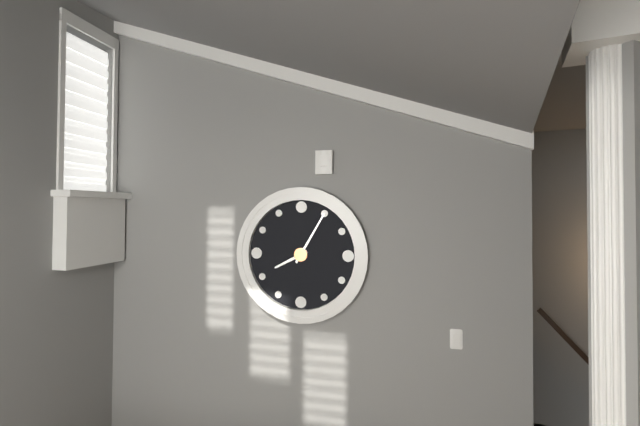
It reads 8.05
